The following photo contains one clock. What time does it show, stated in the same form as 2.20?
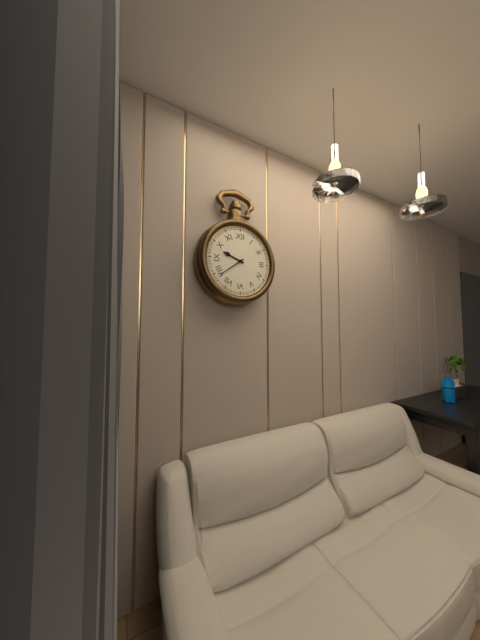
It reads 9.39
